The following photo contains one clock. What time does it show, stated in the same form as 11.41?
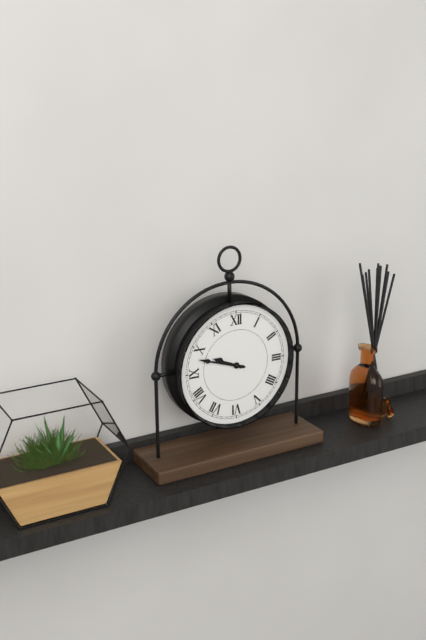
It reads 9.48
